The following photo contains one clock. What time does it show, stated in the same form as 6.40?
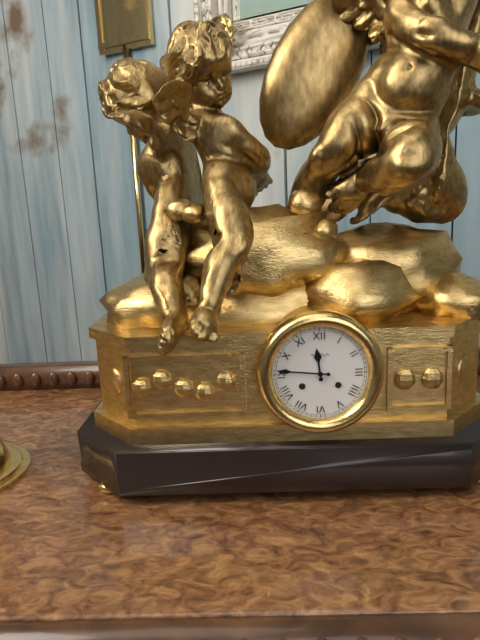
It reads 11.46
